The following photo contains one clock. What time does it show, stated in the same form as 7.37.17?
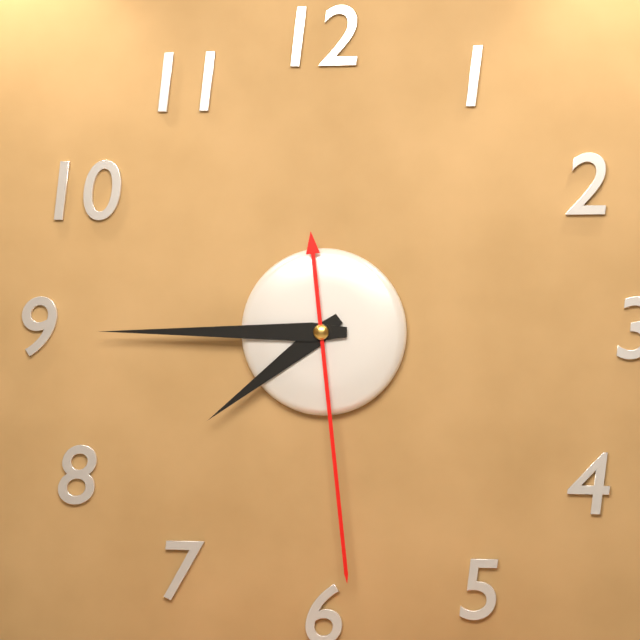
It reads 7.45.29
